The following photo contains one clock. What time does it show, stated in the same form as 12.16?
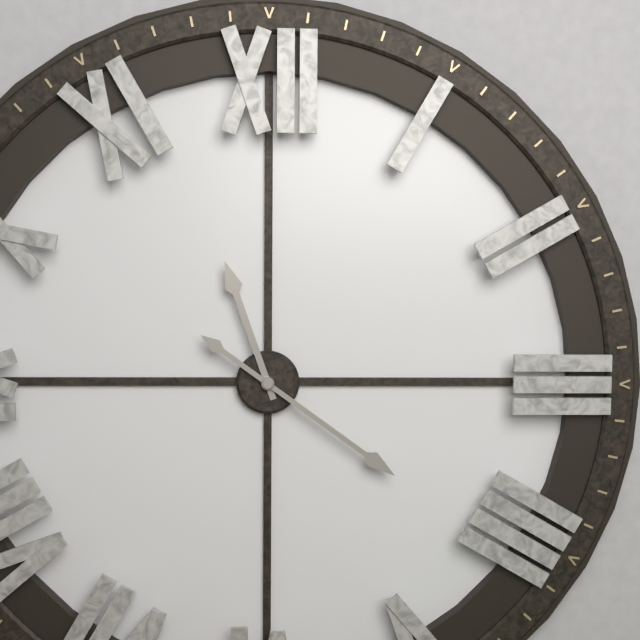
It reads 11.21
